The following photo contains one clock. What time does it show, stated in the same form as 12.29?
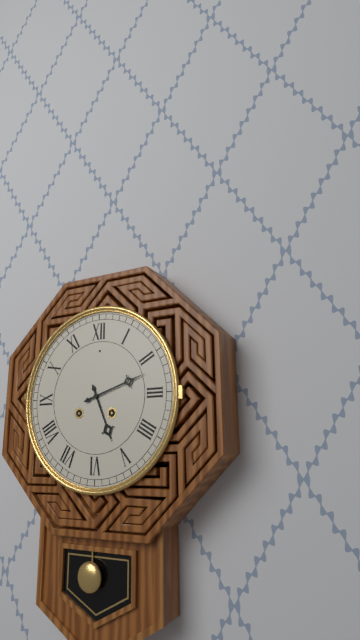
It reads 5.12
